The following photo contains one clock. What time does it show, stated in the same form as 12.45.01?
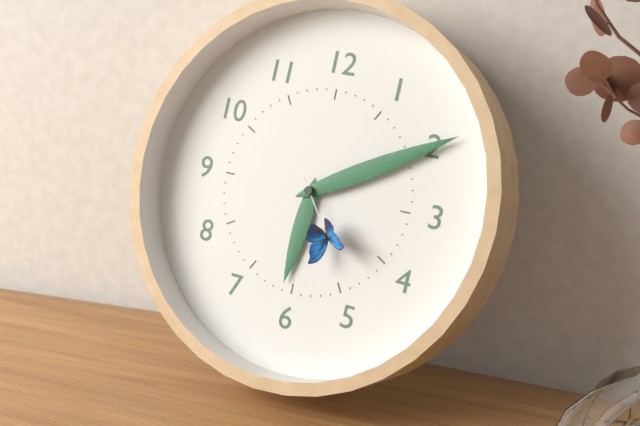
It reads 6.10.24
